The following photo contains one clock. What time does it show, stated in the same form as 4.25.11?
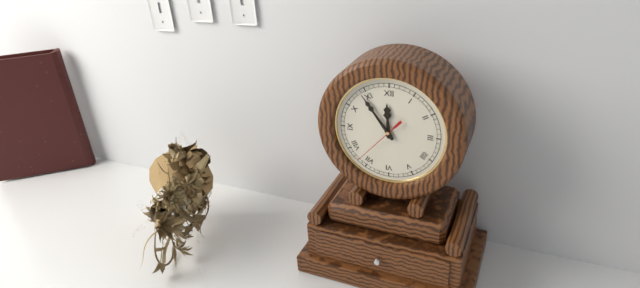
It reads 11.54.37
